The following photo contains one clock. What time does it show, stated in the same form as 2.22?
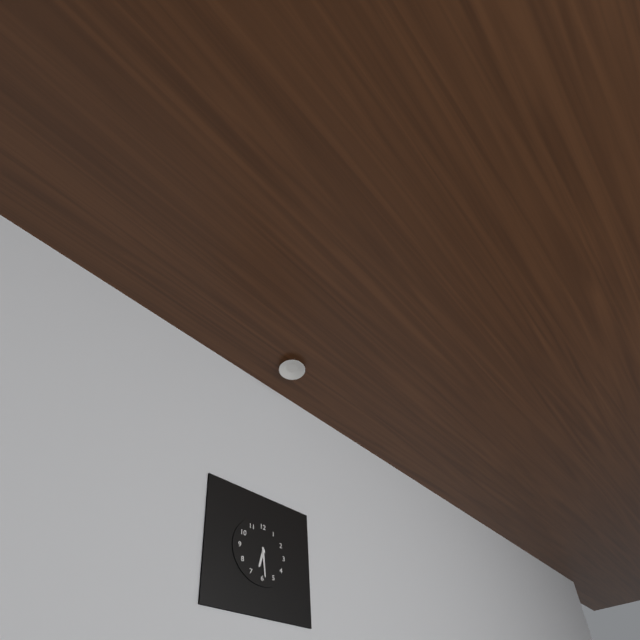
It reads 6.29
